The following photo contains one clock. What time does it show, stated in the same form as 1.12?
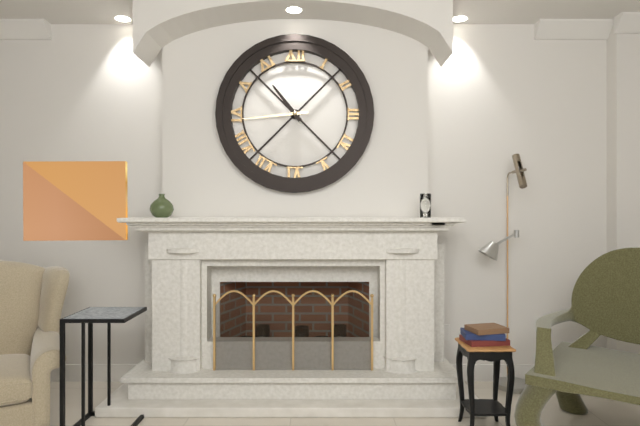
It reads 10.44
